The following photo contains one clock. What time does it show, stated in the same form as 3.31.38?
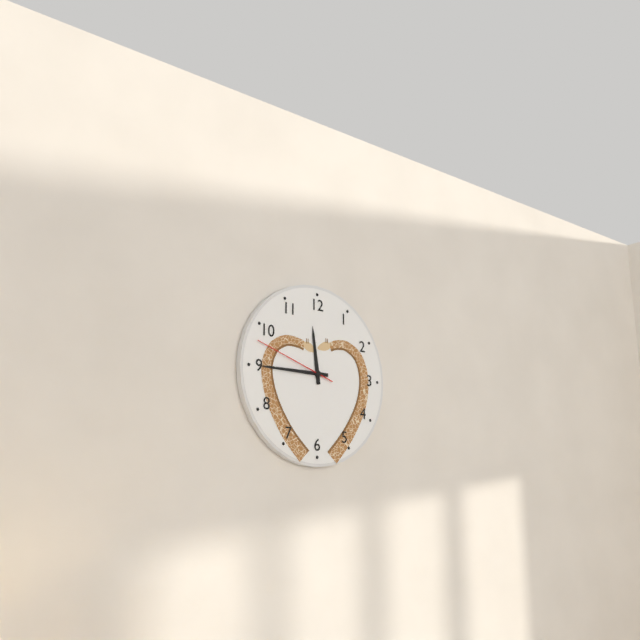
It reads 11.45.48
